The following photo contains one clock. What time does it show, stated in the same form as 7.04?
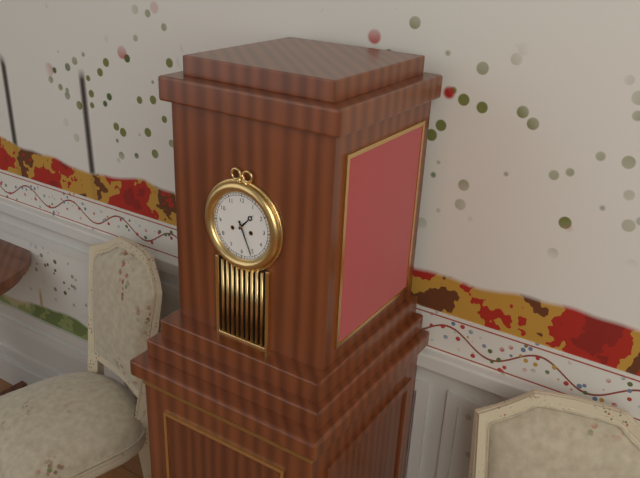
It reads 1.26
